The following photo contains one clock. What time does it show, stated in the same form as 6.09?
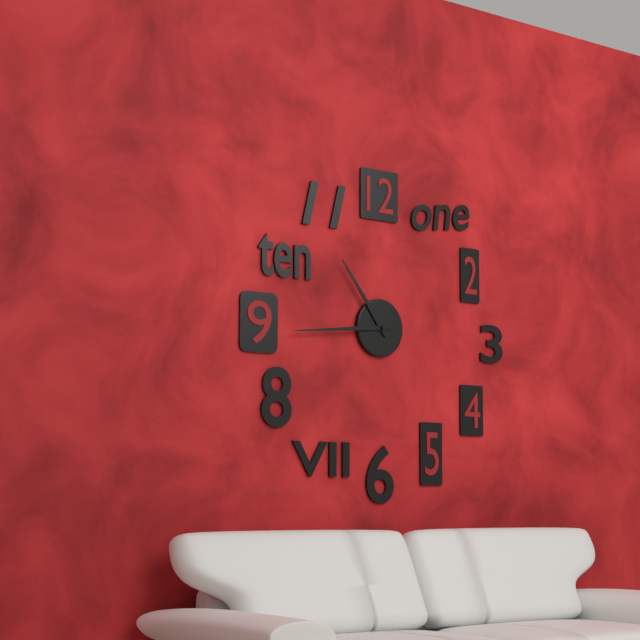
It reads 10.44
